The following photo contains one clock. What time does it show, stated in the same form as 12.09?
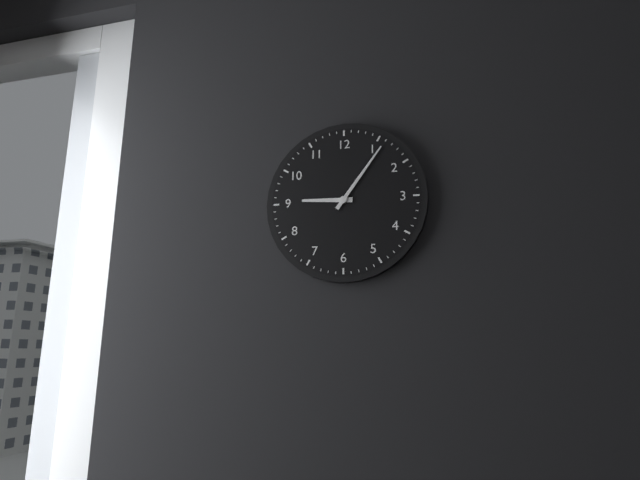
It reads 9.06
